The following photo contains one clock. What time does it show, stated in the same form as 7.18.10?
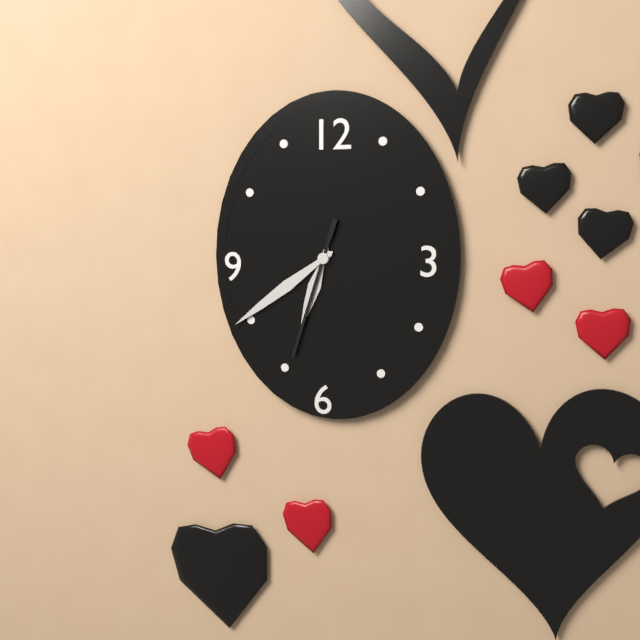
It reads 6.39.33
